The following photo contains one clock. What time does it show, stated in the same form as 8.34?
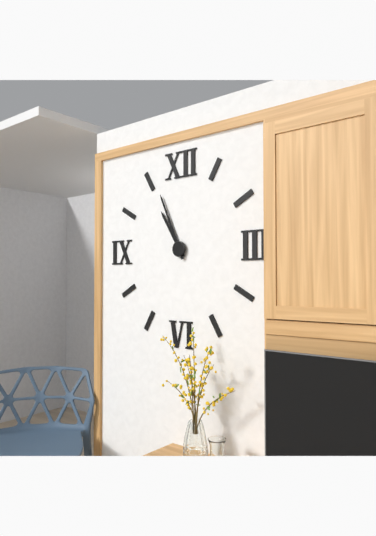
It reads 10.56
